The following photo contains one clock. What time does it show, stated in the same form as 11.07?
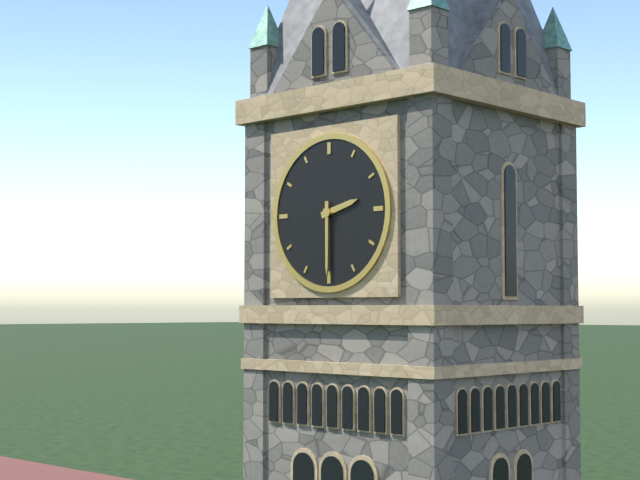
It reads 2.30
